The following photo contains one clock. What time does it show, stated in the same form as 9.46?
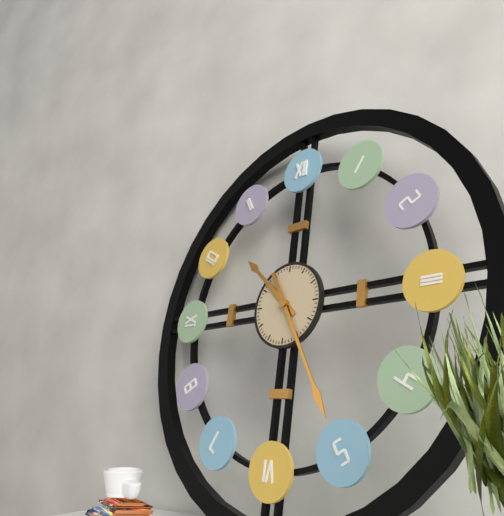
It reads 10.25
